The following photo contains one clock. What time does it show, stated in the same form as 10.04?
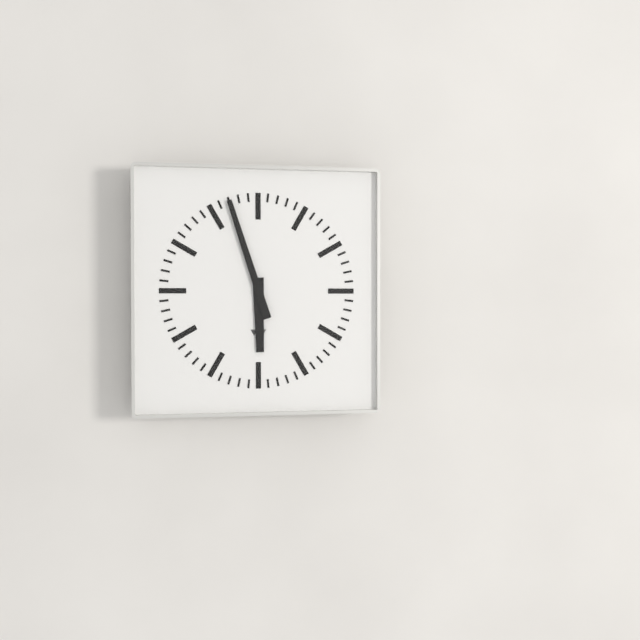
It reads 5.57
